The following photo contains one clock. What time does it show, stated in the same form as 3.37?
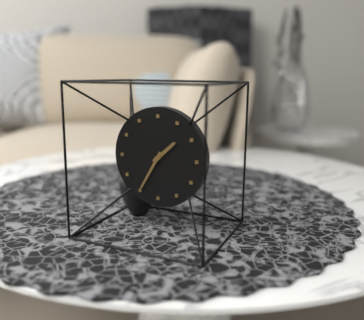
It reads 1.35
